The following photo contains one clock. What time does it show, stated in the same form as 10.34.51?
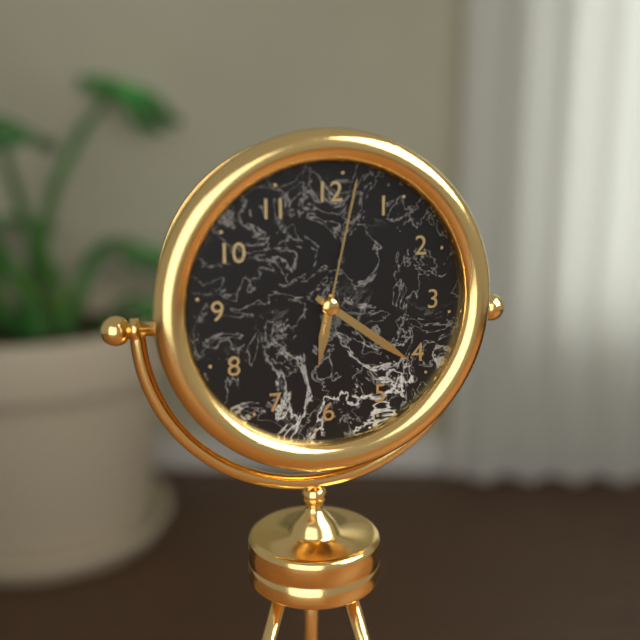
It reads 6.21.02
